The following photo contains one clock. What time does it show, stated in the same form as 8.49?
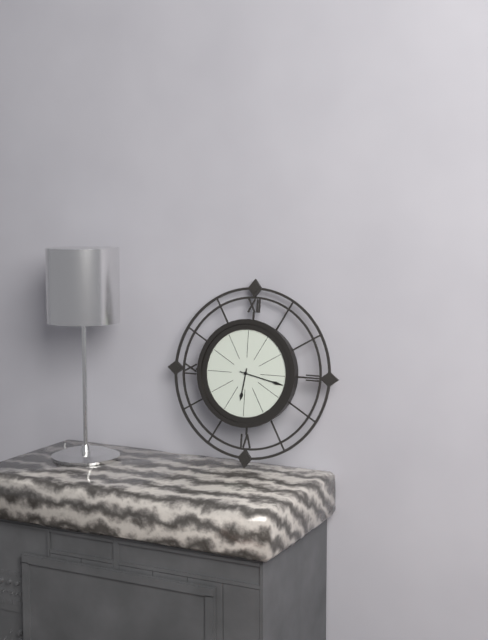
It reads 6.17
